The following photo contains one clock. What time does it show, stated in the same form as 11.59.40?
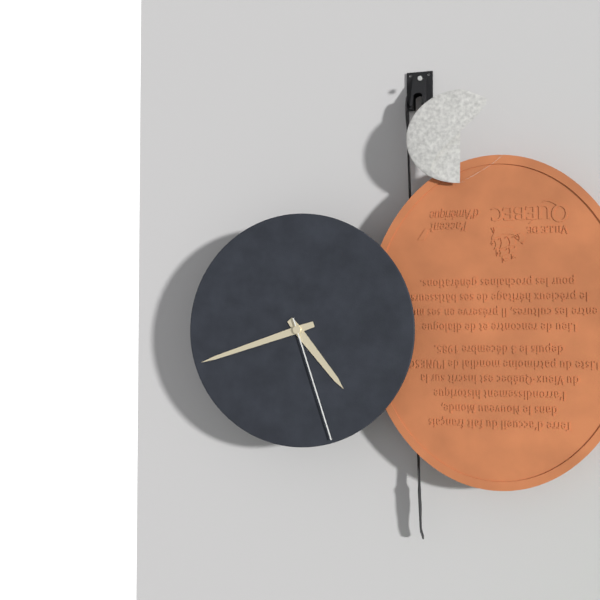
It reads 4.42.27
